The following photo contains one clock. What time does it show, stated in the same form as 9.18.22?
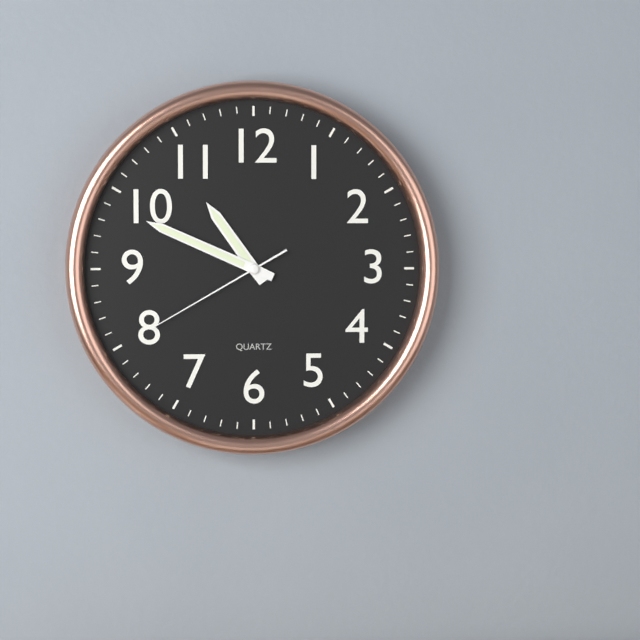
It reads 10.49.40
